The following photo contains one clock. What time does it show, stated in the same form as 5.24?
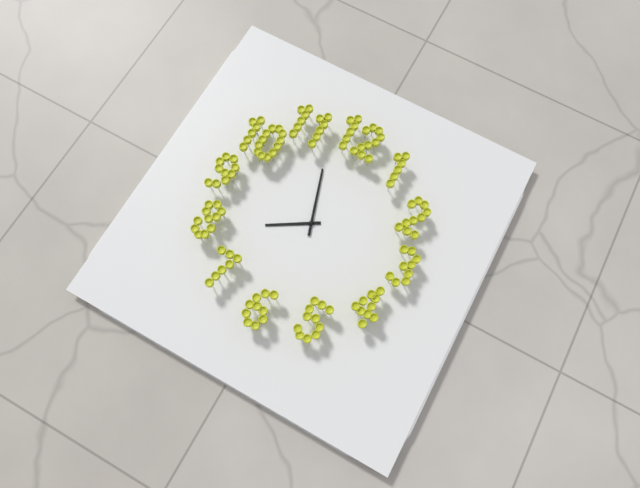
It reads 7.57
